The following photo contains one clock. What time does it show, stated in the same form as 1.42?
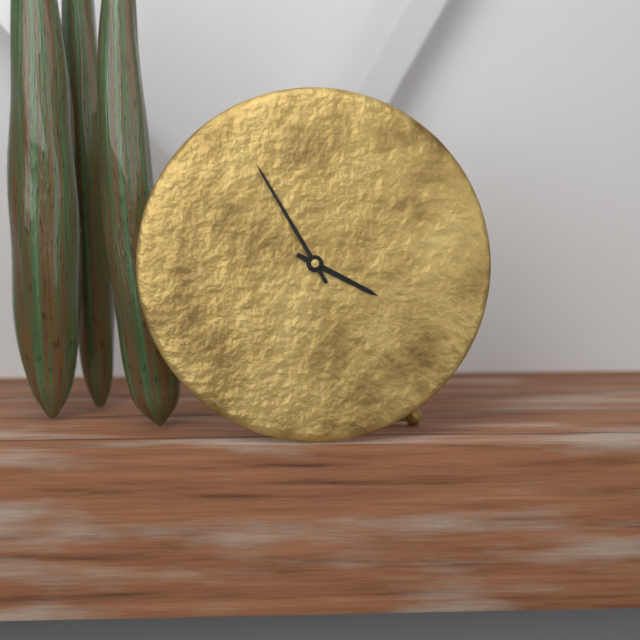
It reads 3.55
